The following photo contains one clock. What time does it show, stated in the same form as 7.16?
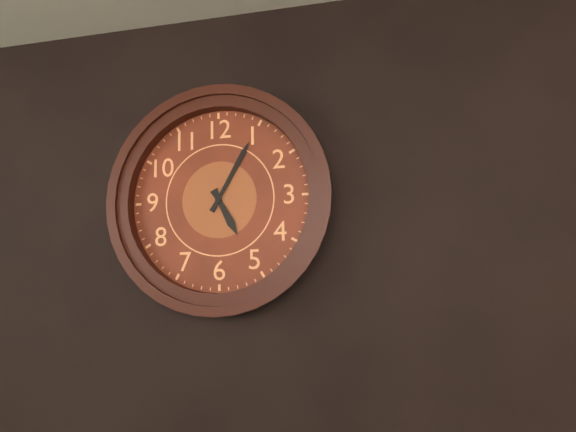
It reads 5.05
